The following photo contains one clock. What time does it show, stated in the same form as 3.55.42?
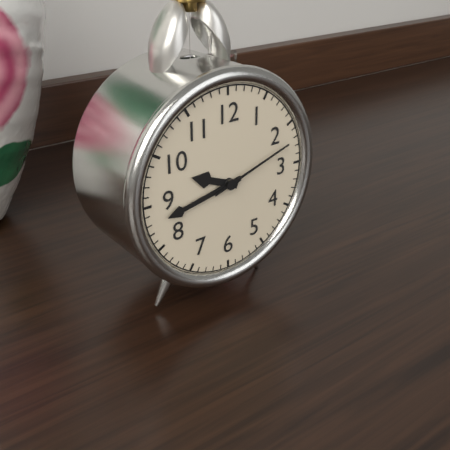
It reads 9.43.12
